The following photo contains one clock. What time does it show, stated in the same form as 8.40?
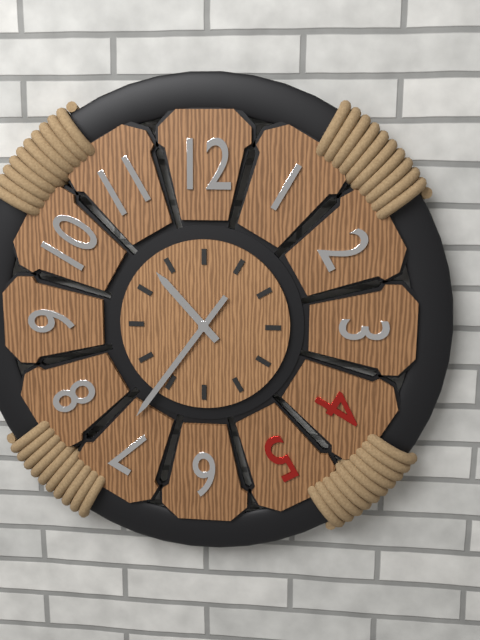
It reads 10.36
